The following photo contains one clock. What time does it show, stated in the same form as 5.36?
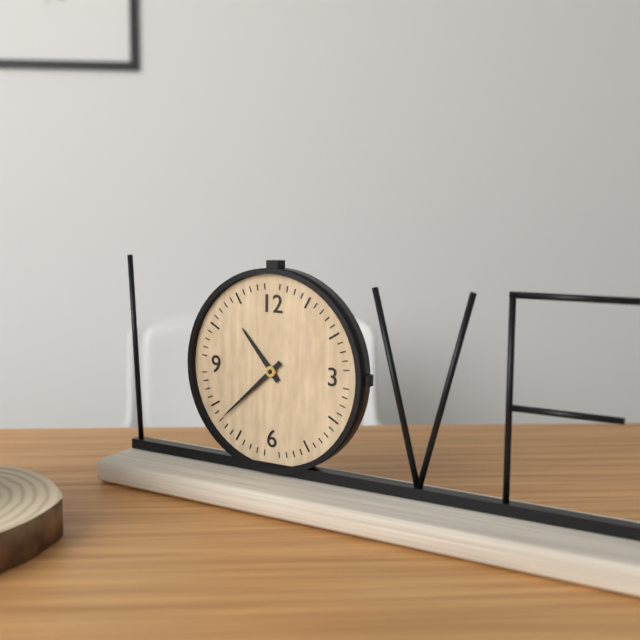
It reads 10.38
